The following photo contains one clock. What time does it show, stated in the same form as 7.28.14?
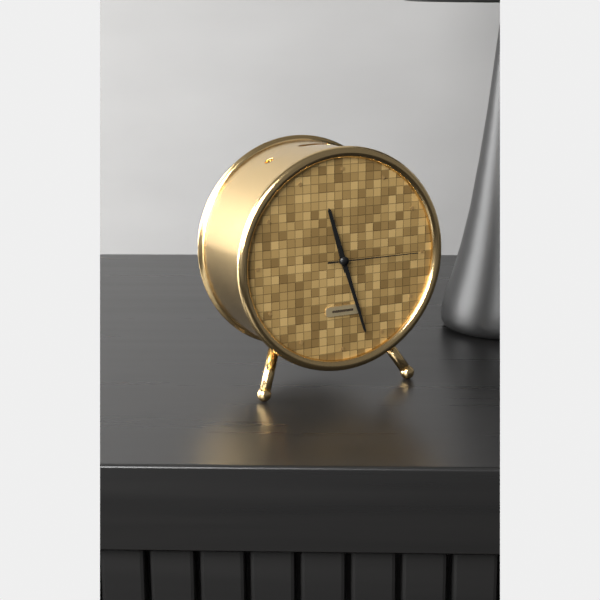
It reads 11.27.15
